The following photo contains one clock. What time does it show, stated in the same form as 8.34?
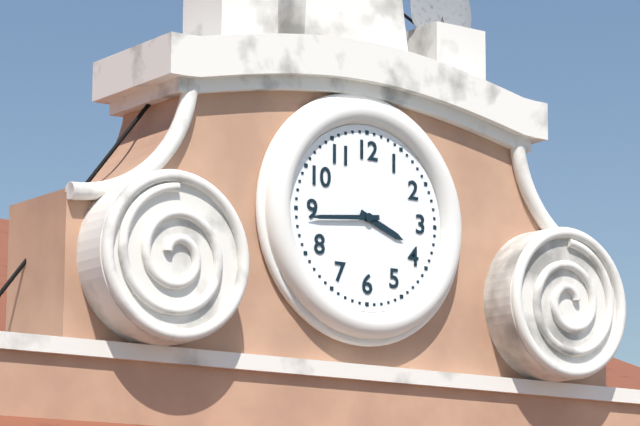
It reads 3.44
